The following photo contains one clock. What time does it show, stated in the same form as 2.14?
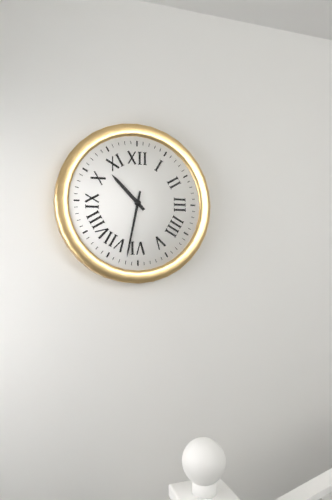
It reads 10.32
